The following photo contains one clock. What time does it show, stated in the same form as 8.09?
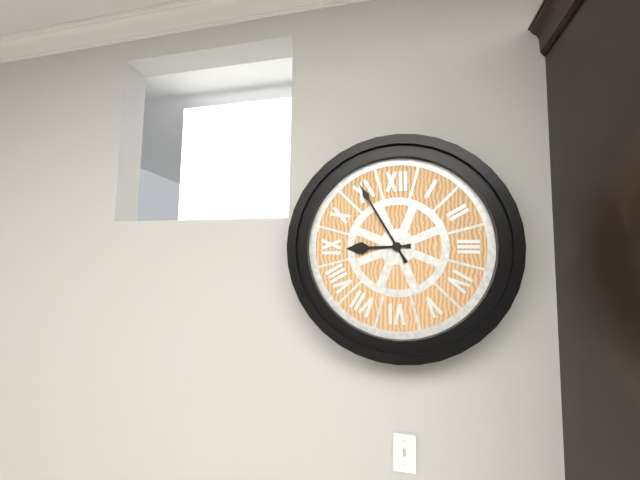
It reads 8.55
